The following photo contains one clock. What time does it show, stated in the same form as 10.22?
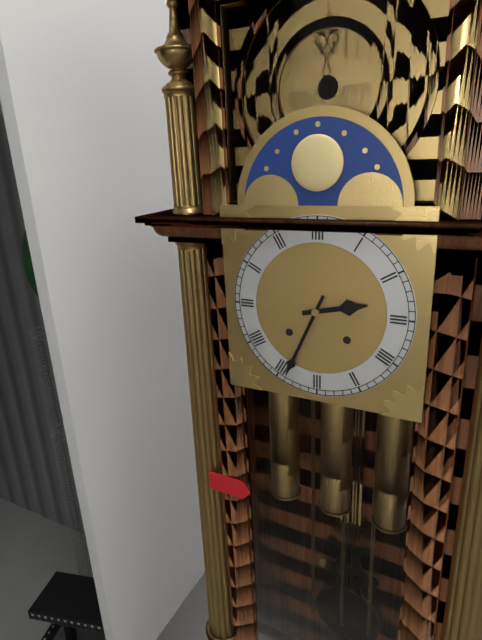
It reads 2.34
